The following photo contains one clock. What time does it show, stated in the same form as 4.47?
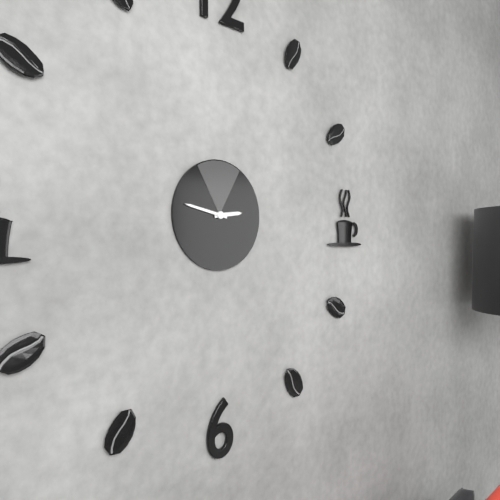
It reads 2.47
